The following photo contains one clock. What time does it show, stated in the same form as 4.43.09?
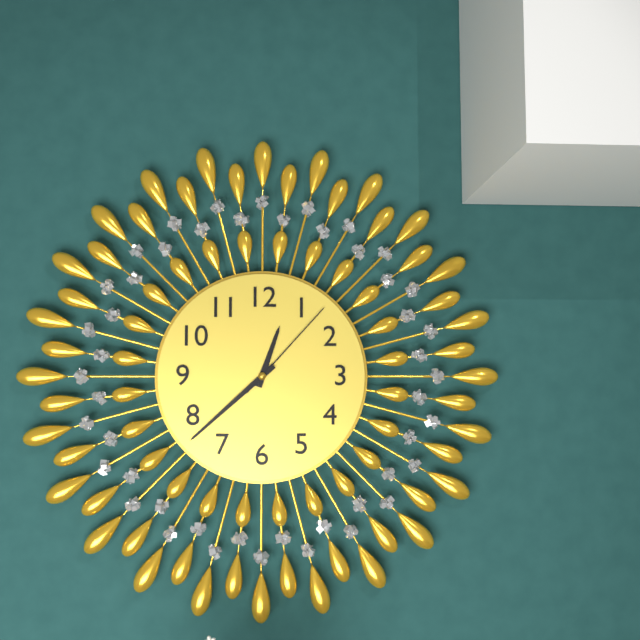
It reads 12.38.07
